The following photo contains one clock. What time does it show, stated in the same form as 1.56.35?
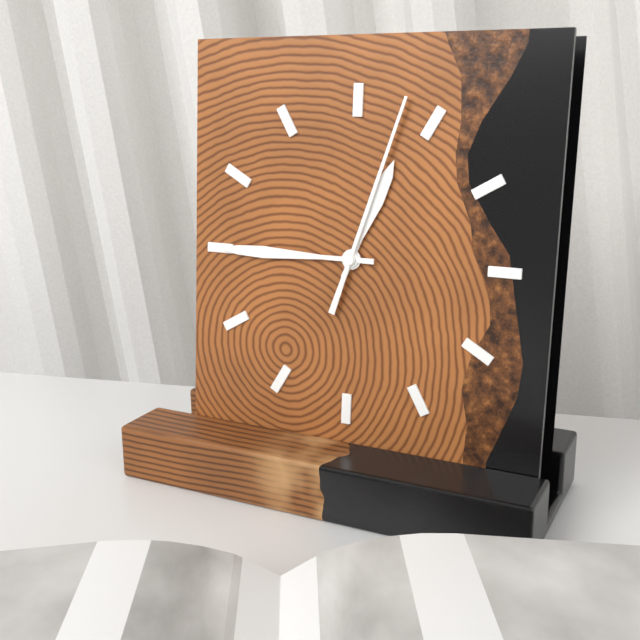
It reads 12.45.03
